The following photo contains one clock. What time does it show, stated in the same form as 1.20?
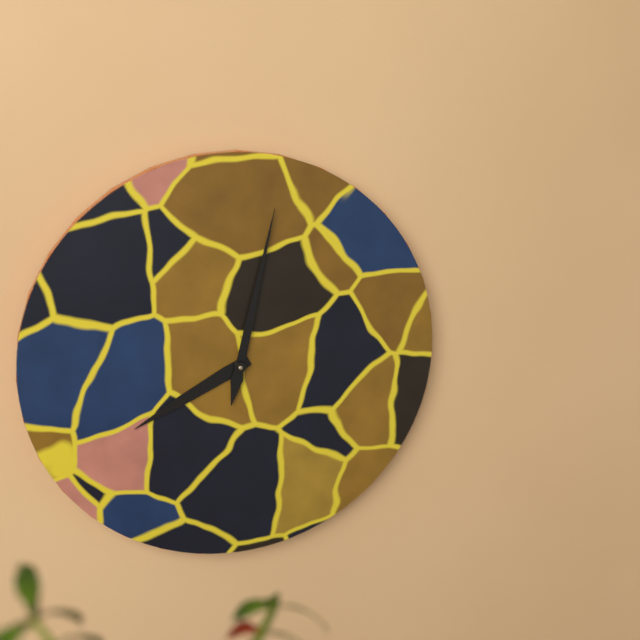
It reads 8.02
